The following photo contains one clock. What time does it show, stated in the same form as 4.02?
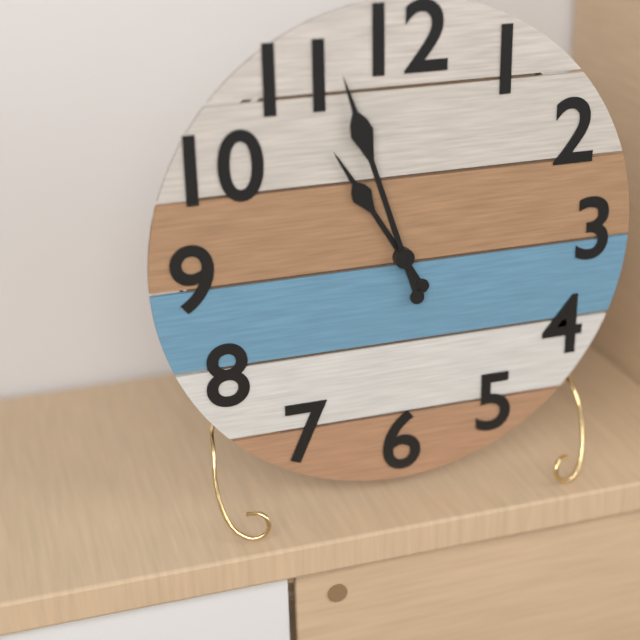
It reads 10.57
